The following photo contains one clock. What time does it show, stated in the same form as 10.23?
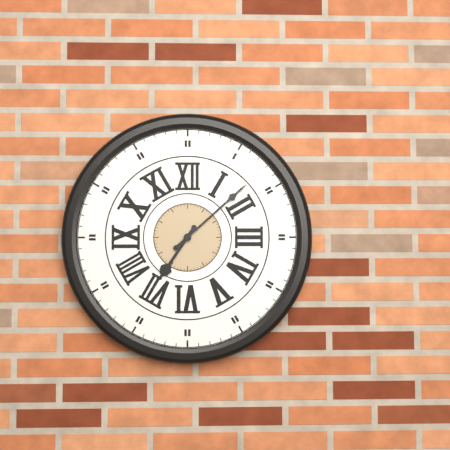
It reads 7.08
